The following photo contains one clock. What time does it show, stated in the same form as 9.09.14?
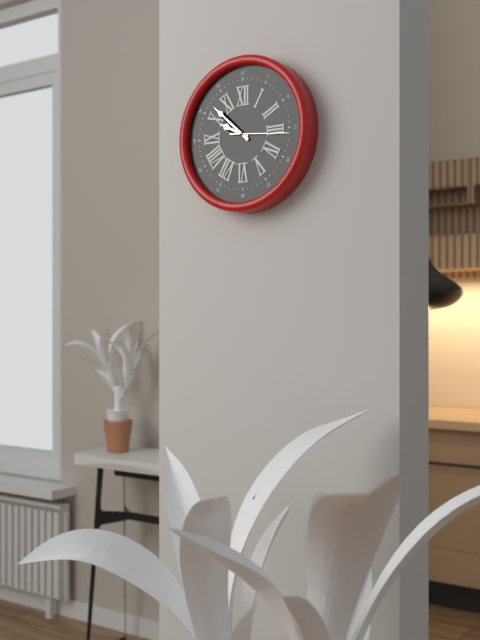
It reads 9.52.16
